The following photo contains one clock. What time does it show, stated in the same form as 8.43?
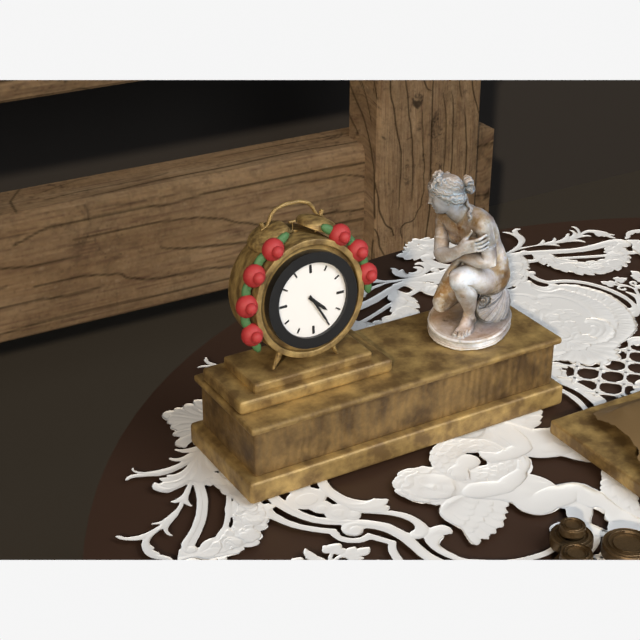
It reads 4.25
